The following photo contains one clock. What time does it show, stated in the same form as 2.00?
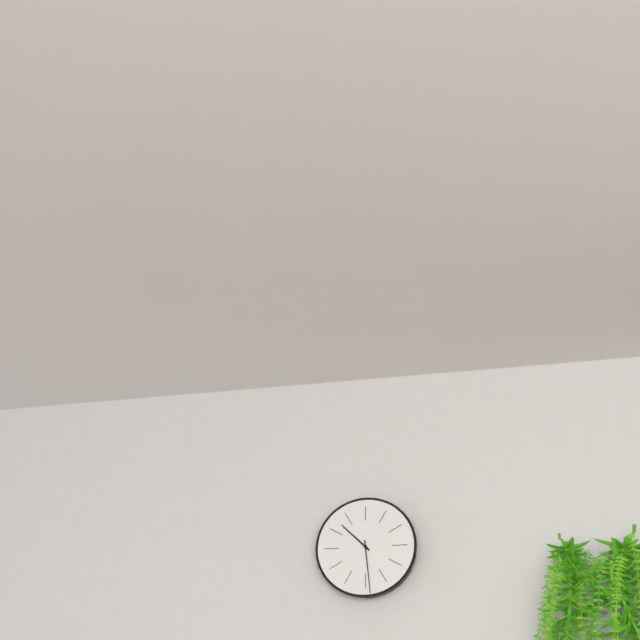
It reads 10.29
